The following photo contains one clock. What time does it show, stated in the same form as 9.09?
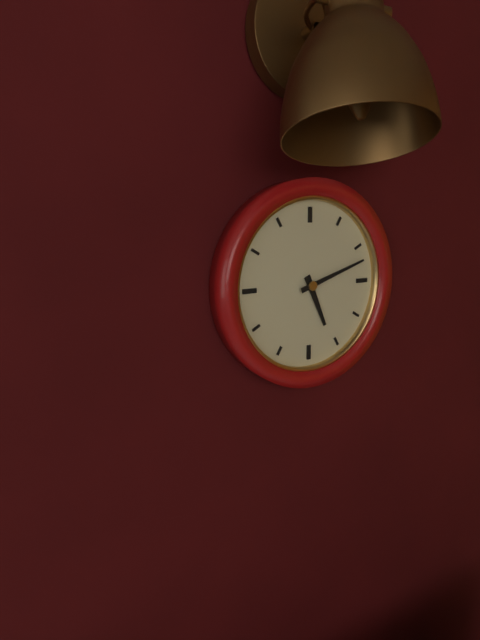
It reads 5.12
